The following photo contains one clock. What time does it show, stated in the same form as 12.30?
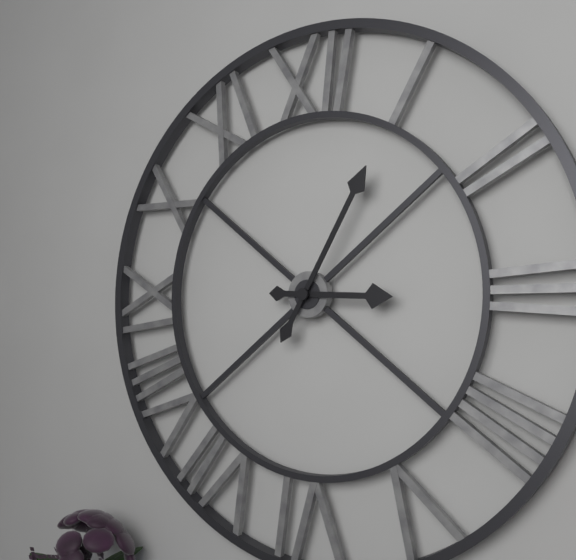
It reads 3.05
